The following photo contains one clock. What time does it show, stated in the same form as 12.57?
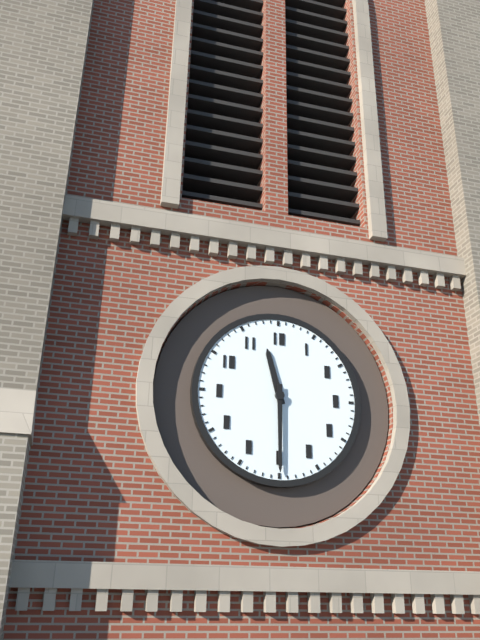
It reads 11.30
